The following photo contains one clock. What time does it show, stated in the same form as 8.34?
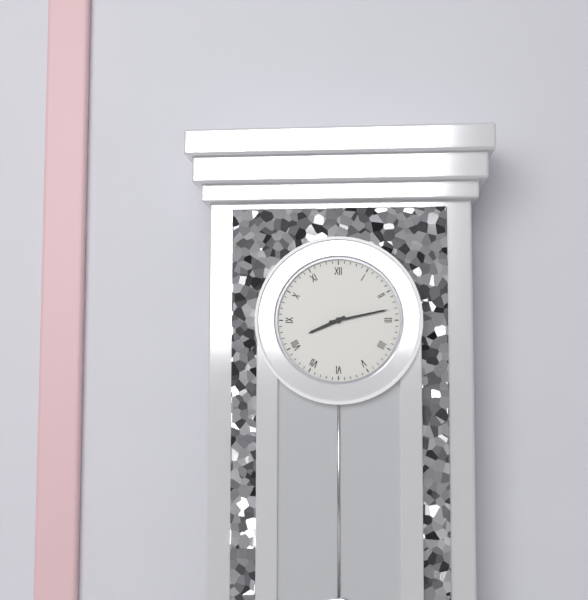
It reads 8.13
